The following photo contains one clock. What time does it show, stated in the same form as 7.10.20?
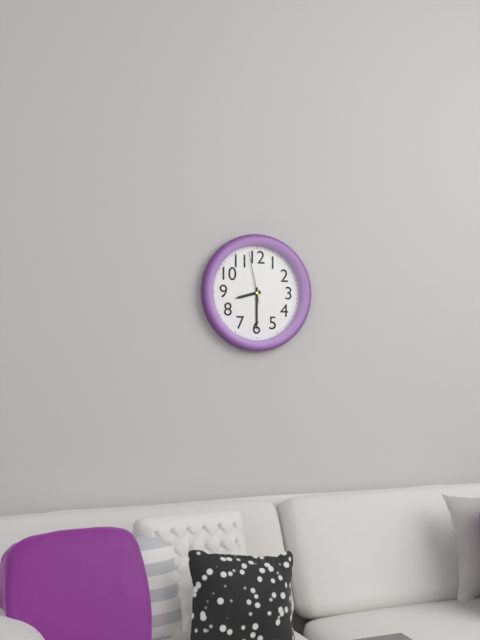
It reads 8.30.58
